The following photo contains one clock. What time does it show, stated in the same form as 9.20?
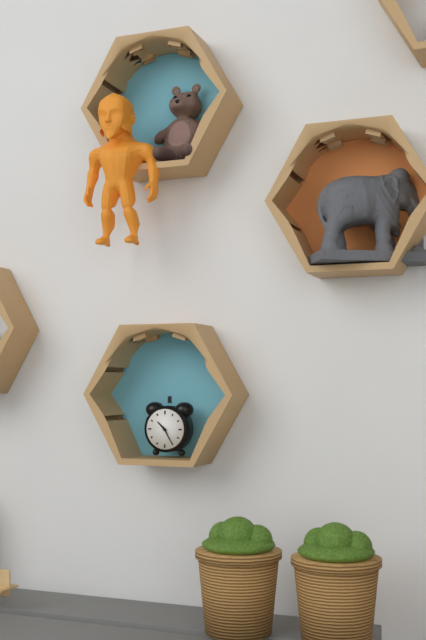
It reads 10.25
